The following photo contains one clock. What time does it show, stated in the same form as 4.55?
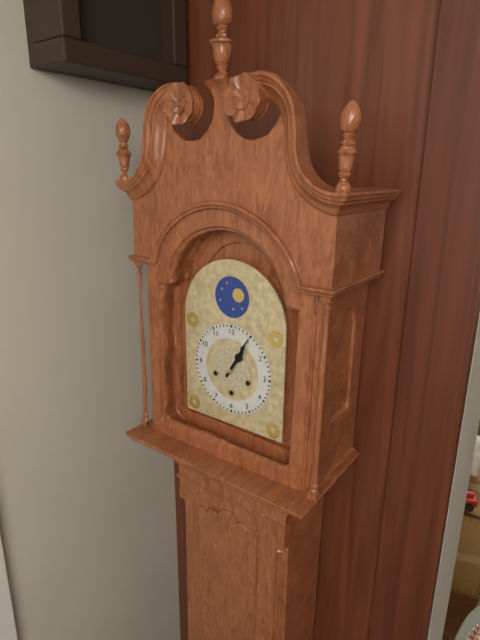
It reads 1.05
